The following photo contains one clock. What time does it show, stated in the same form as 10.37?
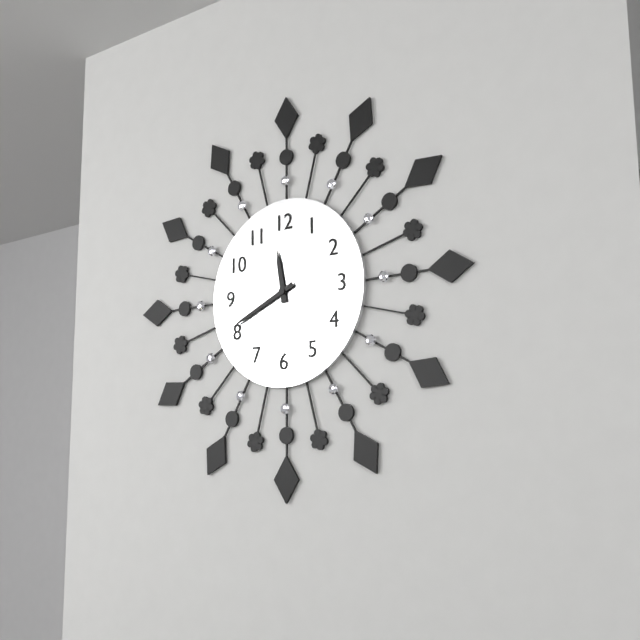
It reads 11.41
